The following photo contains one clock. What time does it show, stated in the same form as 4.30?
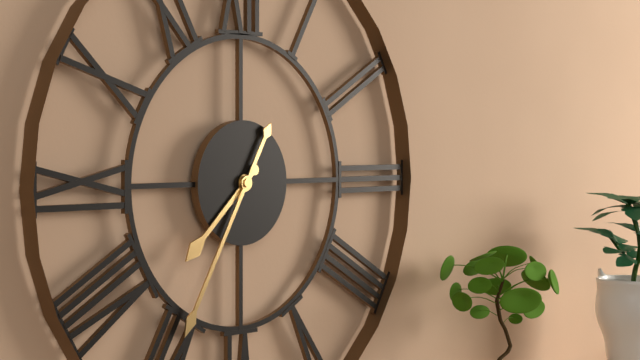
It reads 7.35
